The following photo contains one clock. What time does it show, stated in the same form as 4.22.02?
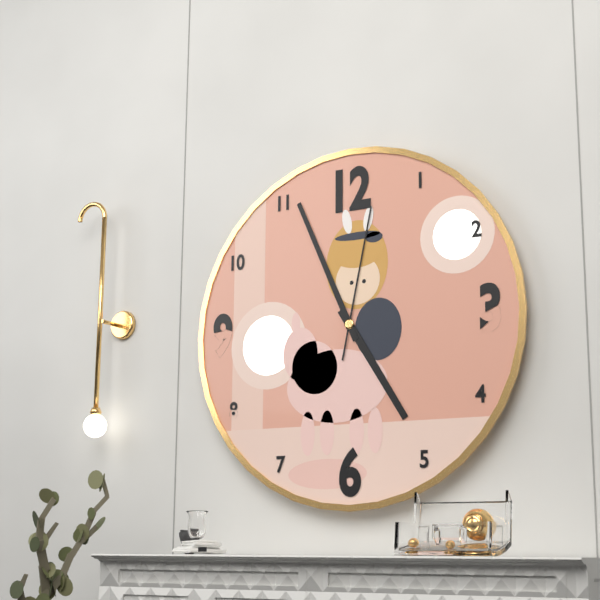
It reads 4.56.02
